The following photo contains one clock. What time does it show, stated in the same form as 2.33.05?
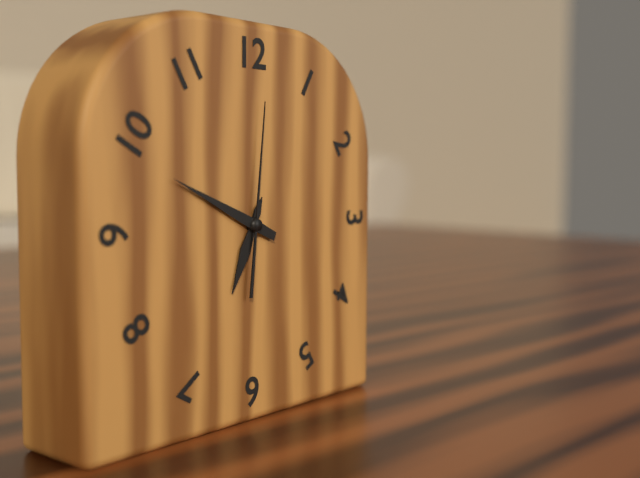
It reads 6.49.01
